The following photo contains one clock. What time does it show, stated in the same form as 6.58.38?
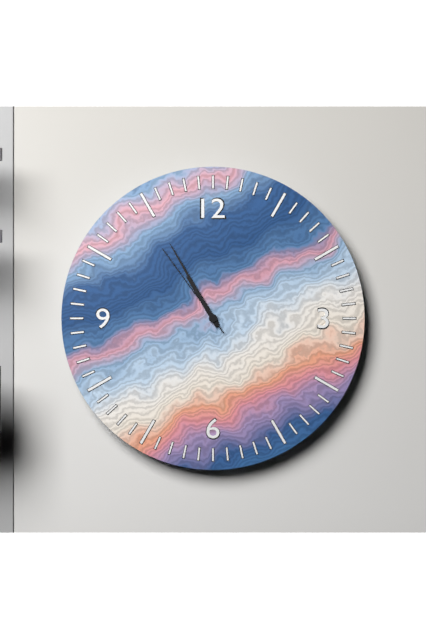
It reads 10.55.54
